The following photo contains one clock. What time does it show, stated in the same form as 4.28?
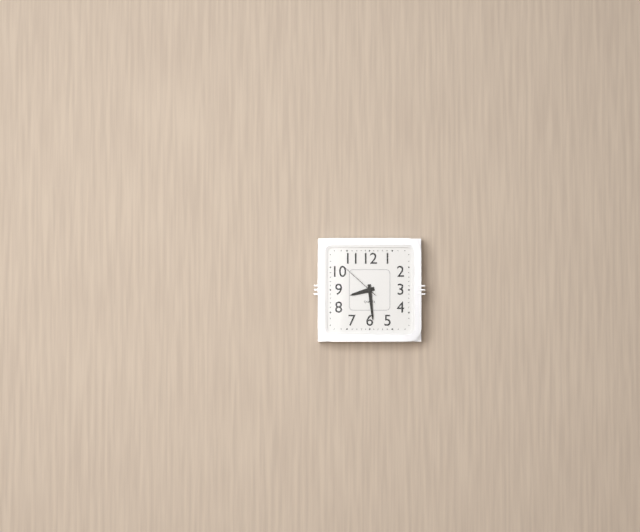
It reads 8.29
